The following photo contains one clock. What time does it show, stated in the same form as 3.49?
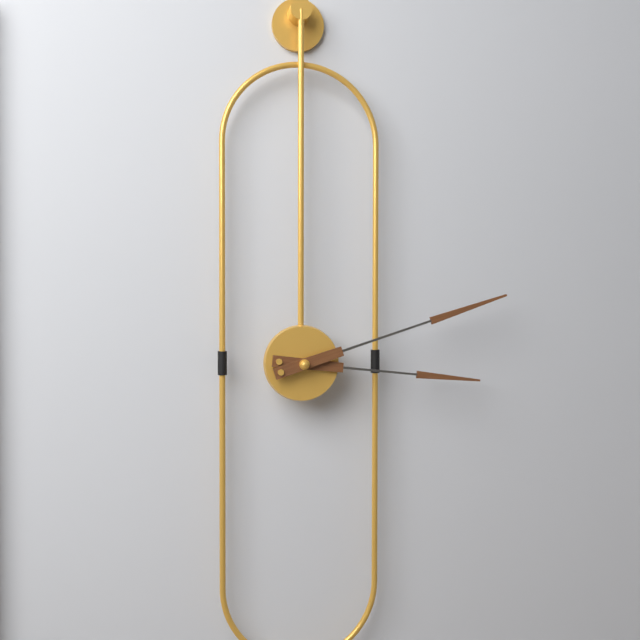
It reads 3.12
